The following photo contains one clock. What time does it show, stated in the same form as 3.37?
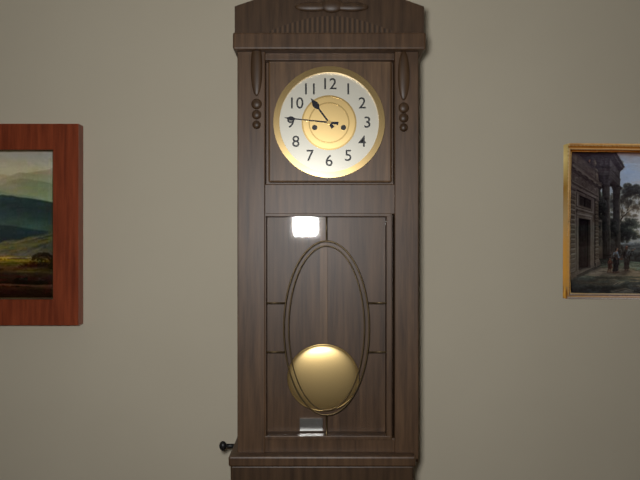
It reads 10.46
